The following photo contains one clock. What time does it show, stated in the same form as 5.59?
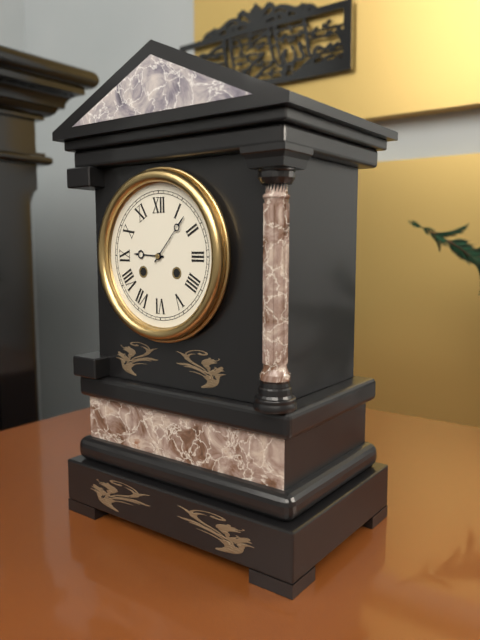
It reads 9.07
